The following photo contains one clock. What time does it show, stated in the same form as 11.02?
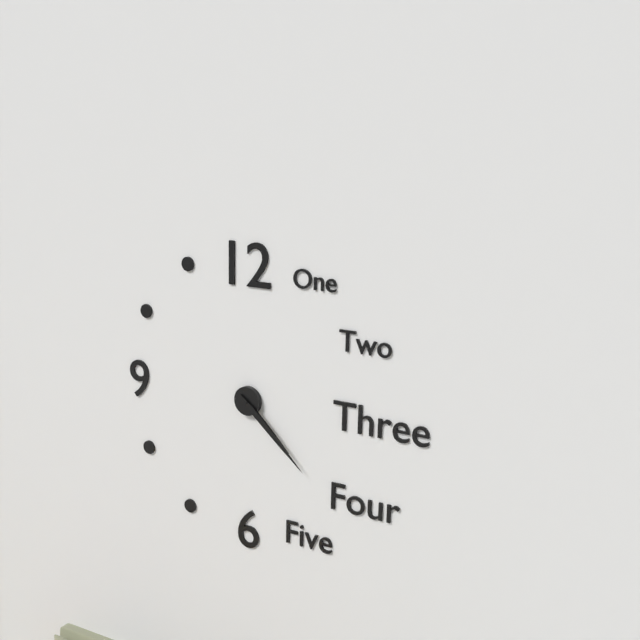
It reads 4.22
